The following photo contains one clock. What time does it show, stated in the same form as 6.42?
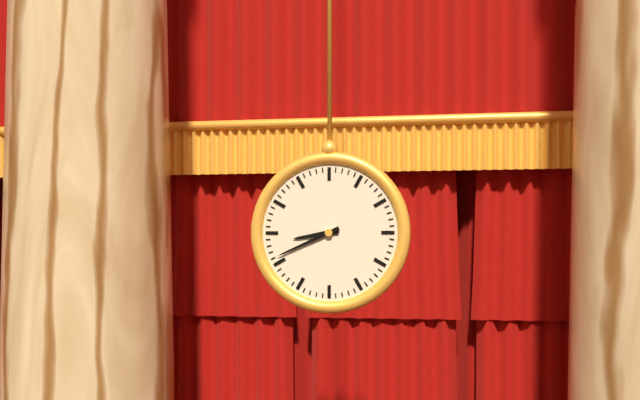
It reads 8.41
